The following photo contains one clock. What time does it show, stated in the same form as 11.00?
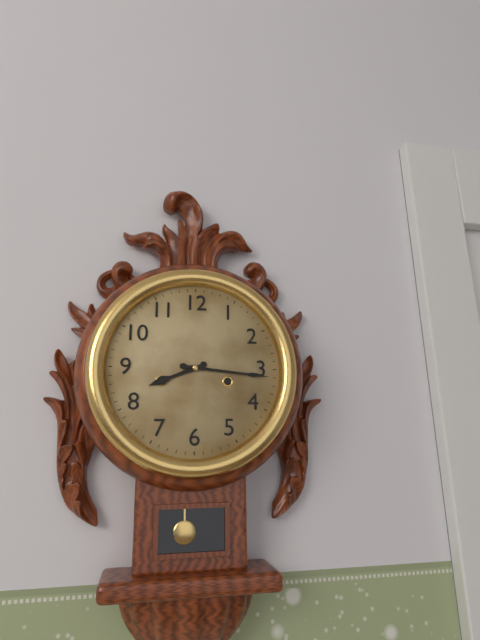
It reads 8.16
